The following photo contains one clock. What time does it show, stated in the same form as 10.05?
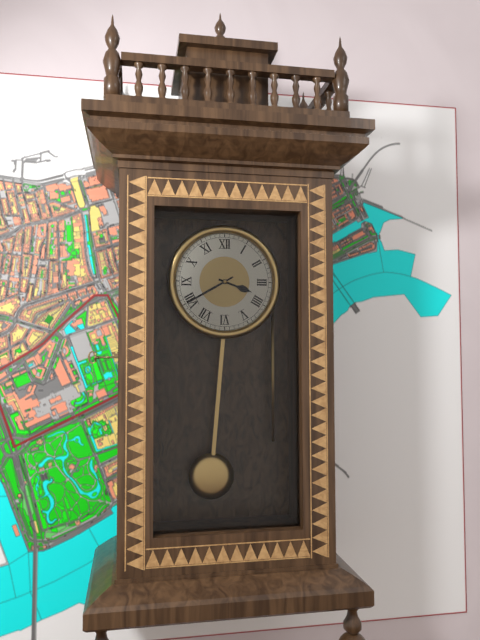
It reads 3.40
